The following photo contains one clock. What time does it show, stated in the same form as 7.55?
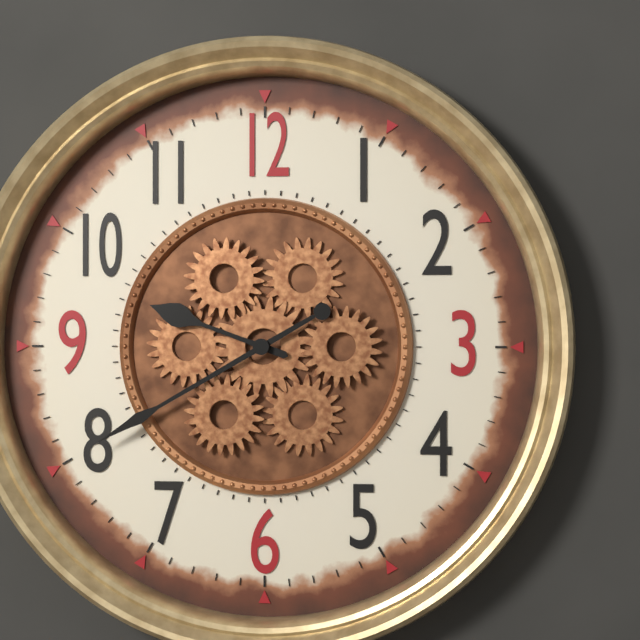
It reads 9.40
